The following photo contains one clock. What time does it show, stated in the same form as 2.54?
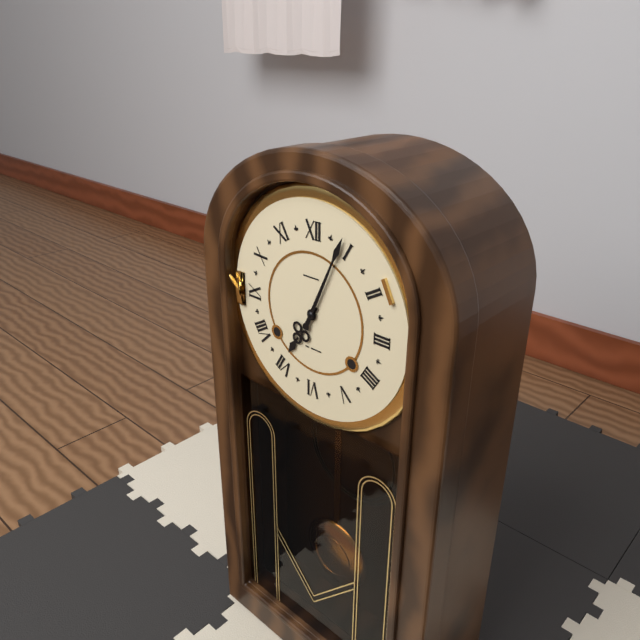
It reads 7.04
